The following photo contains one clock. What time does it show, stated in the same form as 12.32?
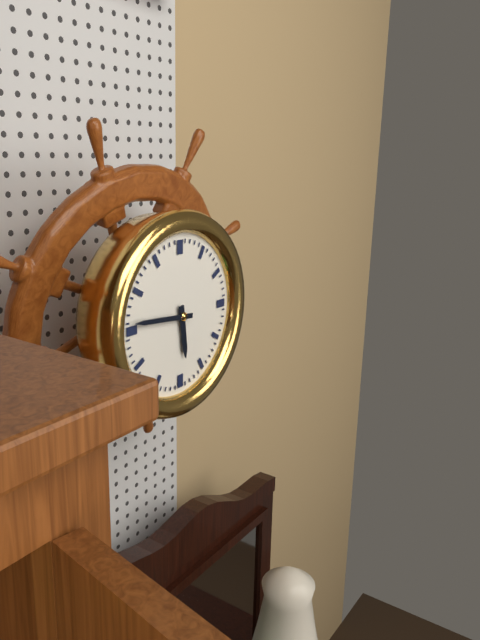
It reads 5.46
